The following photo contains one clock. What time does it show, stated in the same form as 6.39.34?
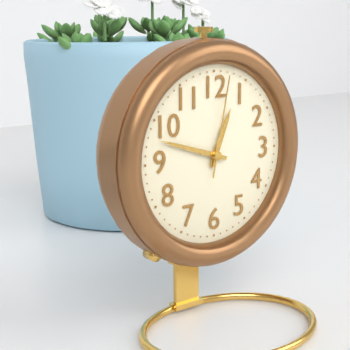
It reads 12.48.02
